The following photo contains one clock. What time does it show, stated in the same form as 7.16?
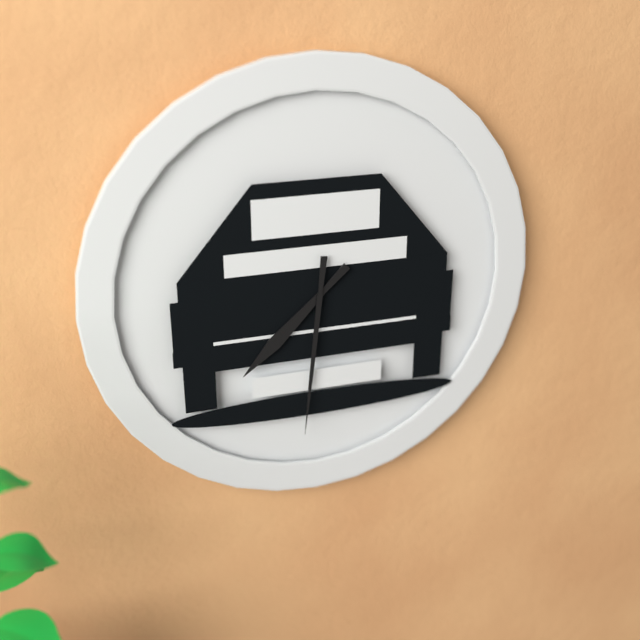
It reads 7.31
